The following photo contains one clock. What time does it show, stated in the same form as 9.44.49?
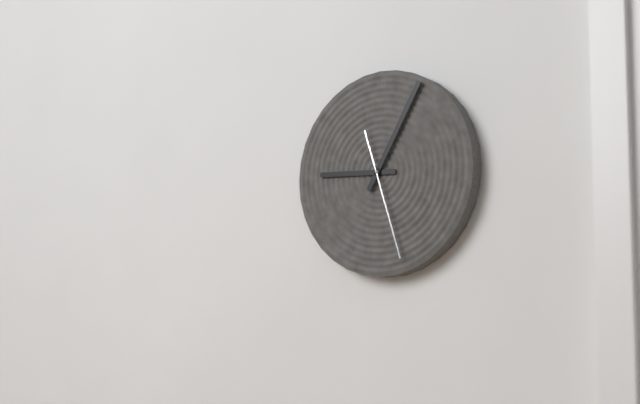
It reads 9.05.27
